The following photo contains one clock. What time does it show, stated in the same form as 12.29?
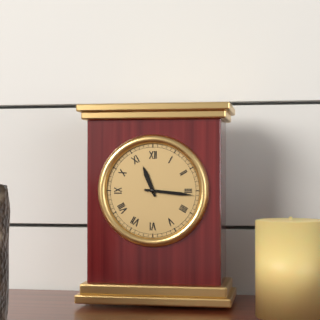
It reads 11.16
